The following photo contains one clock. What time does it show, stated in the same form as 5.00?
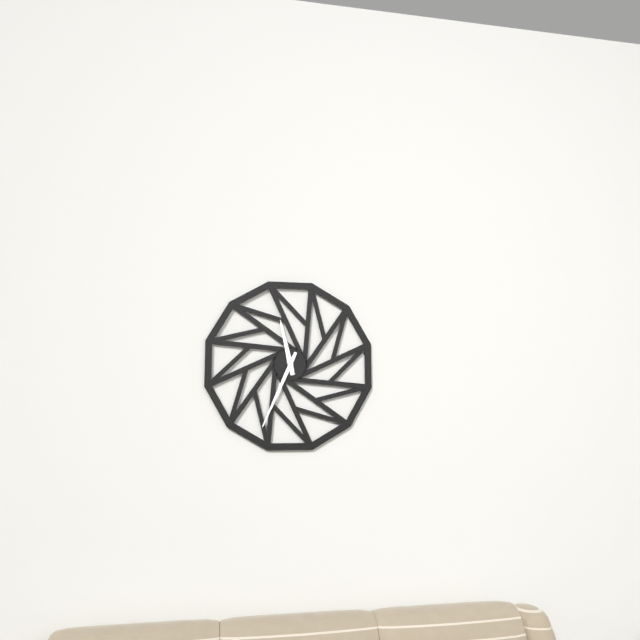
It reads 11.34
